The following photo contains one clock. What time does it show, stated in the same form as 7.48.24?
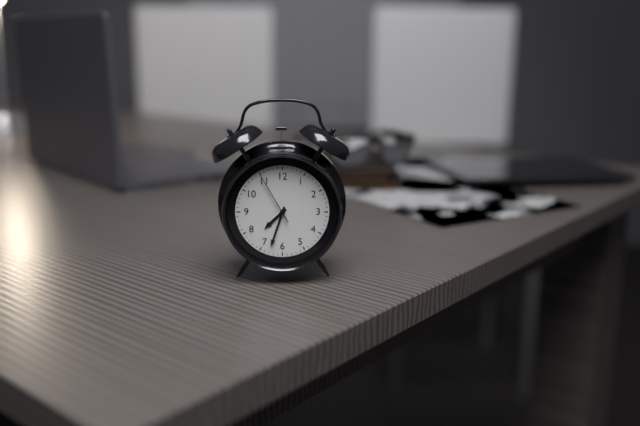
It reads 7.33.55
